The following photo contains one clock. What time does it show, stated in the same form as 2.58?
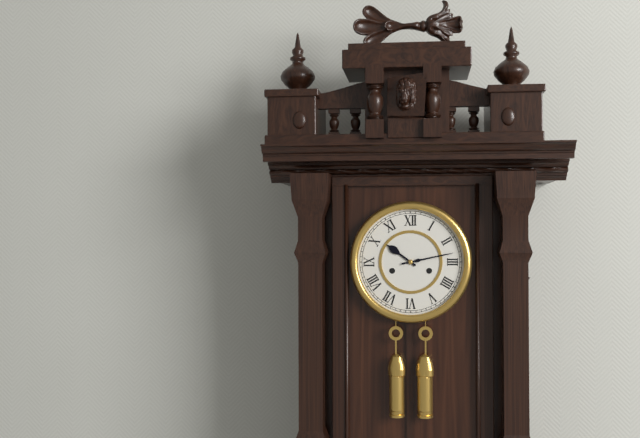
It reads 10.13
